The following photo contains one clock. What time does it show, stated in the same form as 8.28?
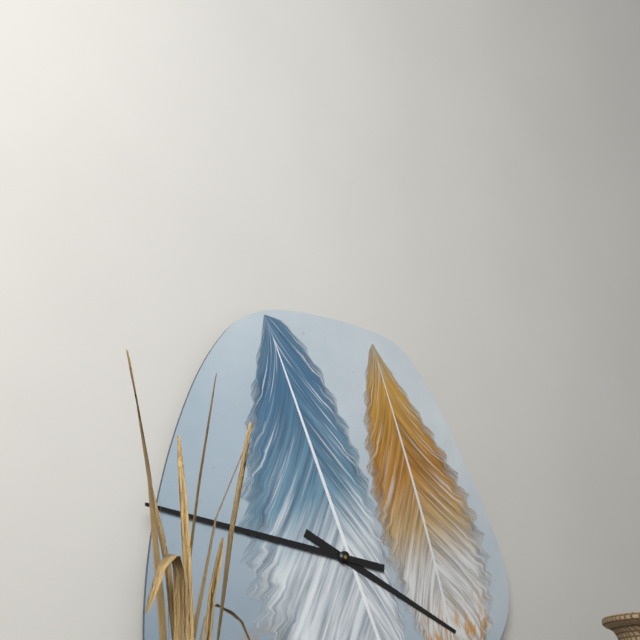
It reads 3.46
